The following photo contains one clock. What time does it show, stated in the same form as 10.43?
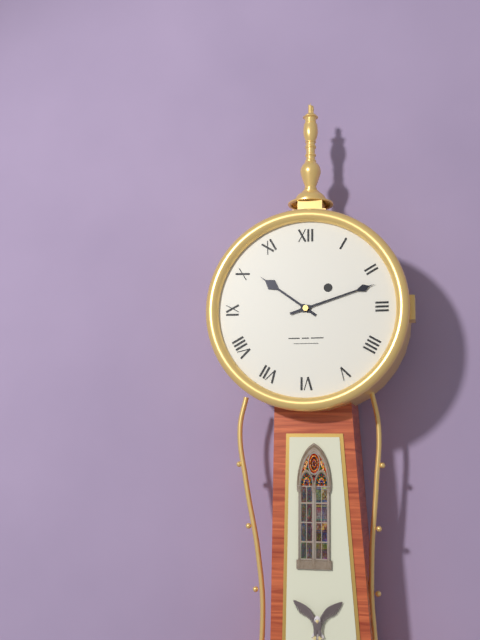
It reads 10.12
